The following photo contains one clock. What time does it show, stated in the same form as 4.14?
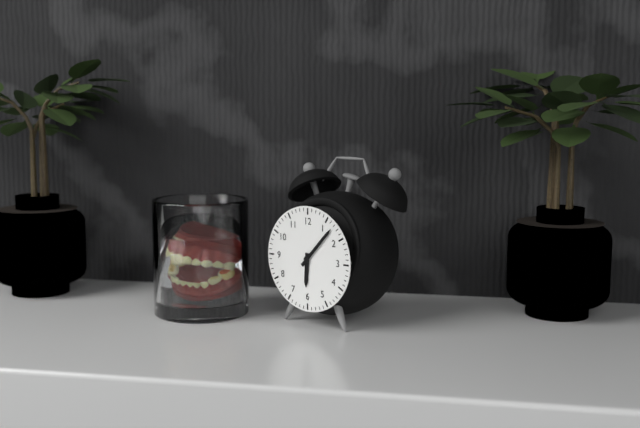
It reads 6.07
